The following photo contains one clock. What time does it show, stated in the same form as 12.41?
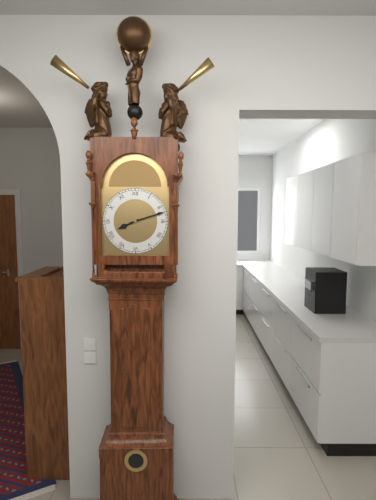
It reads 8.12
